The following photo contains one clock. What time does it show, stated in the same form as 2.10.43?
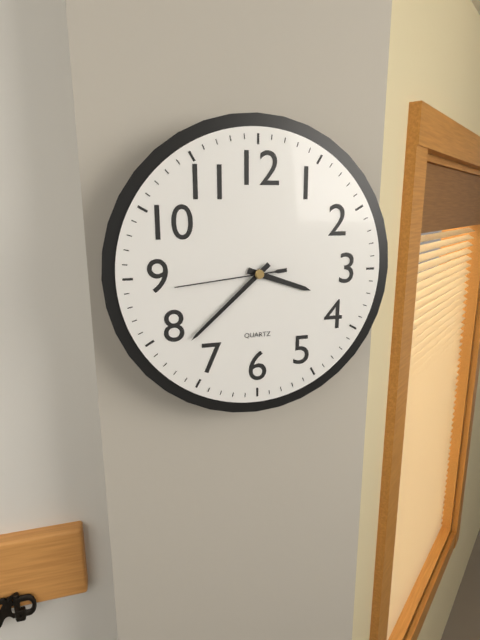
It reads 3.38.44
